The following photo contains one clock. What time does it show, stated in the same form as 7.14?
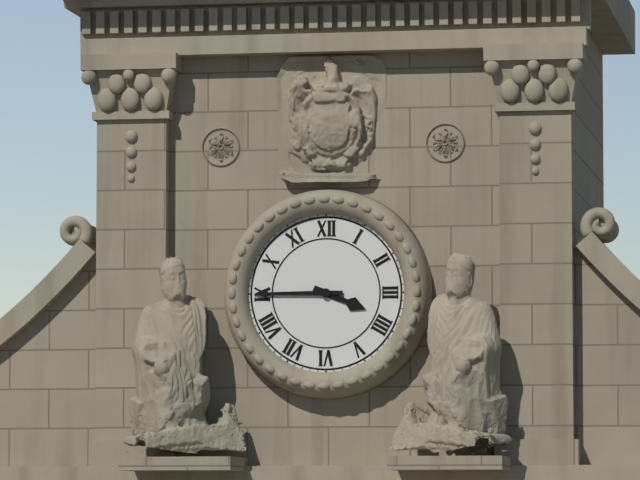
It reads 3.45
